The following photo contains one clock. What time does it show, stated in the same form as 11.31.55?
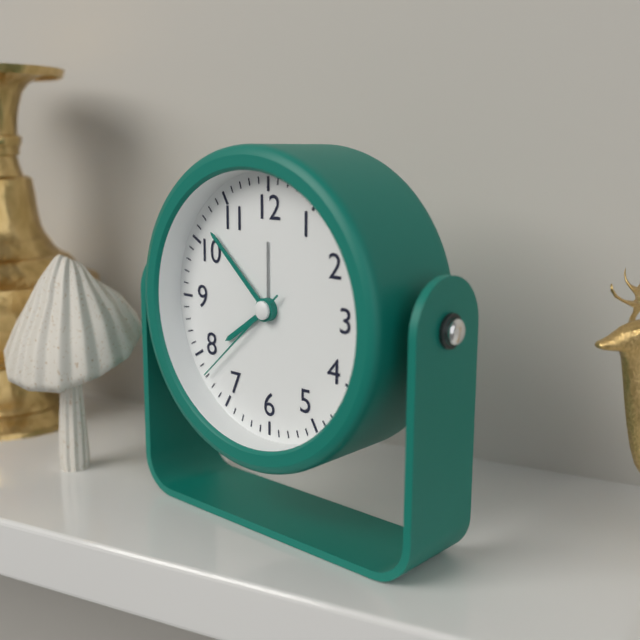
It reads 7.52.38
